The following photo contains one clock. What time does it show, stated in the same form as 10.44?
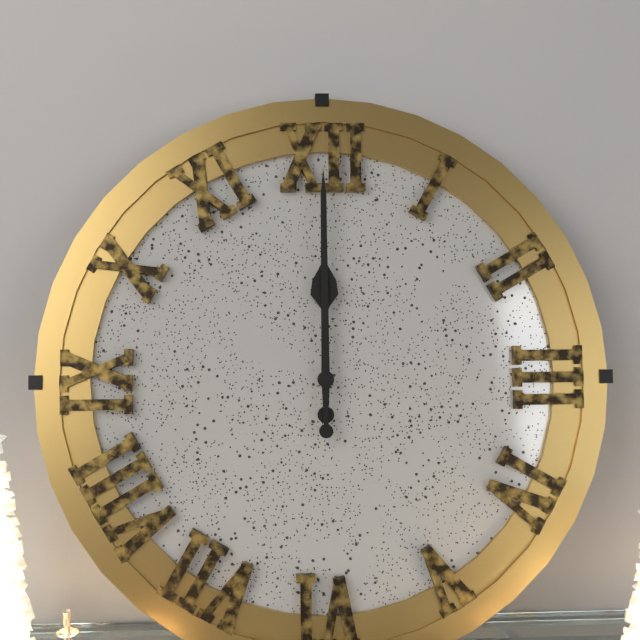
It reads 12.00
